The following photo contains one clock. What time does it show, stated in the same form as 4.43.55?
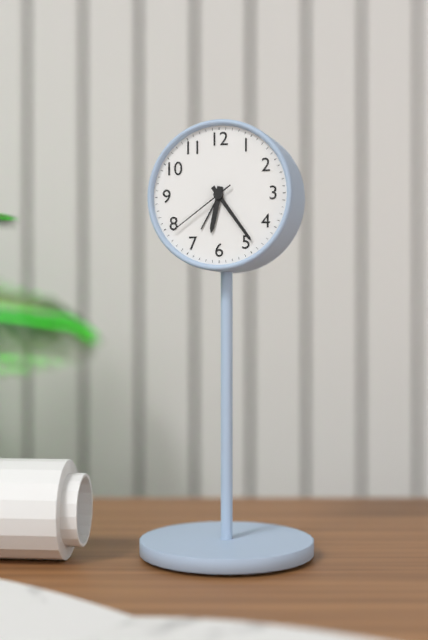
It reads 6.24.39
